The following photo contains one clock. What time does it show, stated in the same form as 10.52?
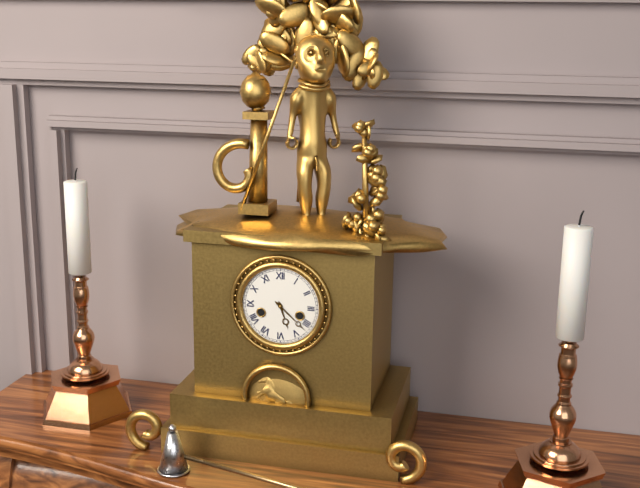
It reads 5.22
